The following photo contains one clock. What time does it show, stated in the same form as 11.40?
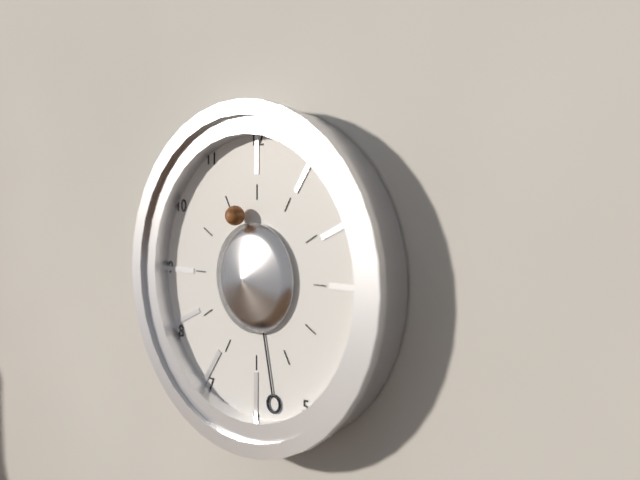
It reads 11.28
